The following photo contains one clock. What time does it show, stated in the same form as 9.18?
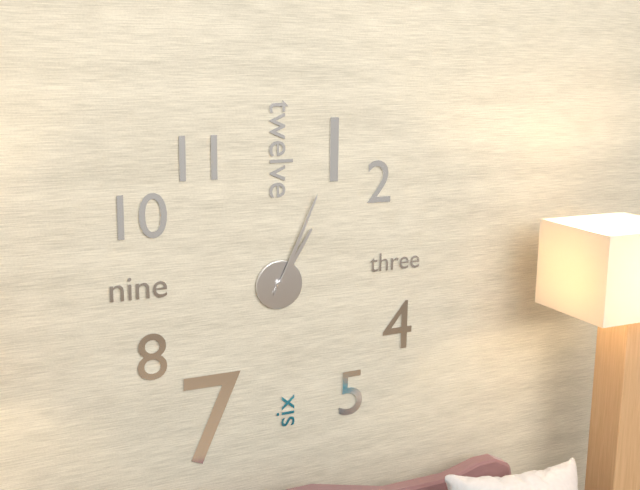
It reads 1.04
